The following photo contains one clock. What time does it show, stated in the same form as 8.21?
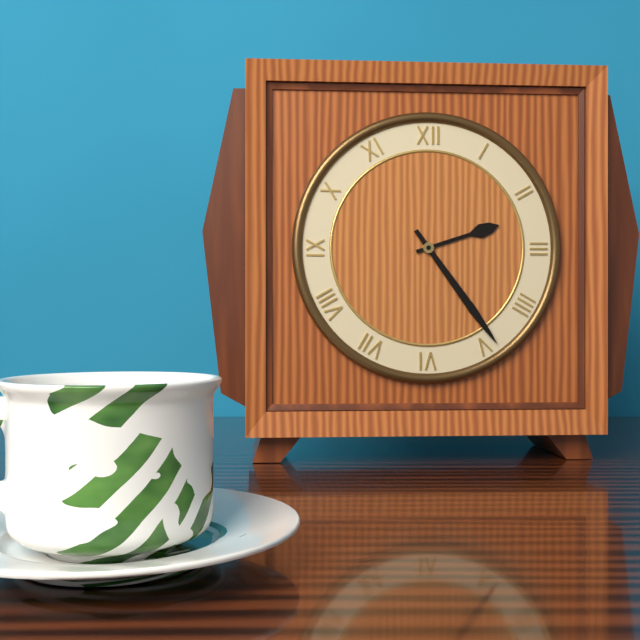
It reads 2.24
